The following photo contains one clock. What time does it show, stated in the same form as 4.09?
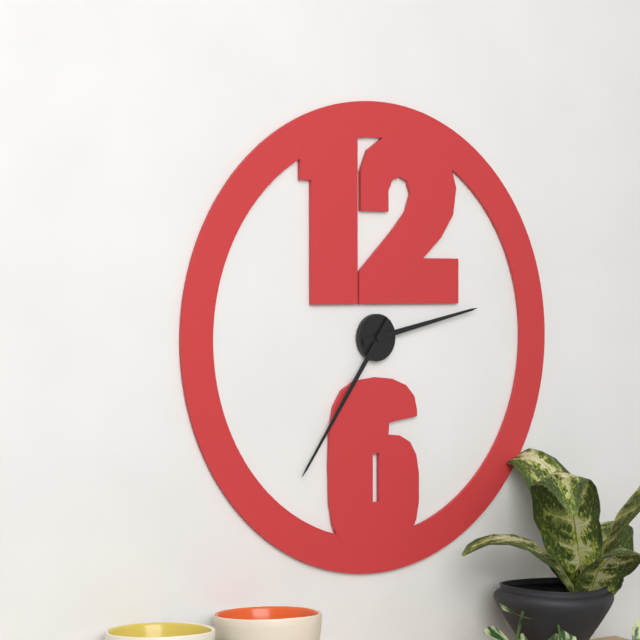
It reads 2.36
